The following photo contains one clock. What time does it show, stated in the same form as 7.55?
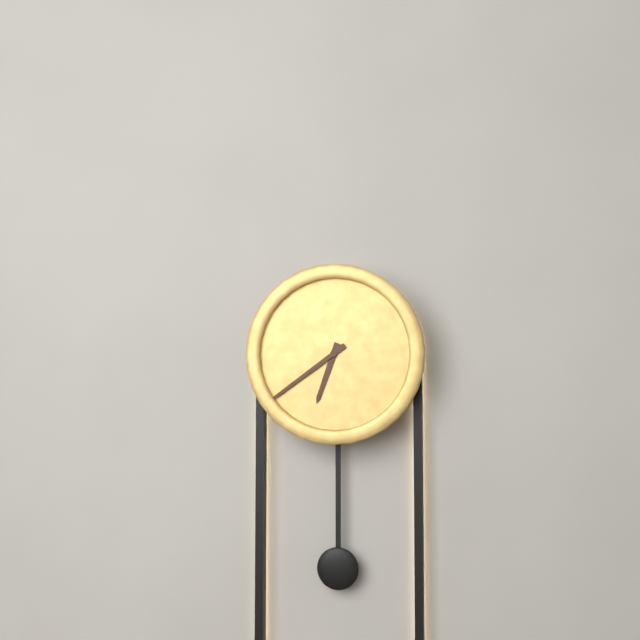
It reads 6.39
